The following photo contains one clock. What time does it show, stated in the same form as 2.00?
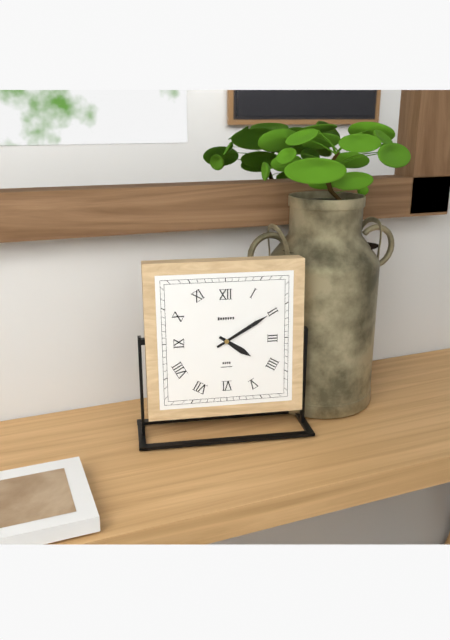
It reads 4.10
